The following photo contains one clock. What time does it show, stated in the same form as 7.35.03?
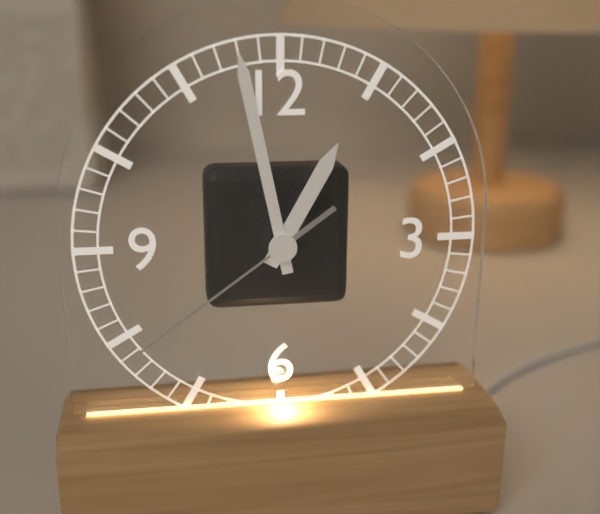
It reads 12.58.39
